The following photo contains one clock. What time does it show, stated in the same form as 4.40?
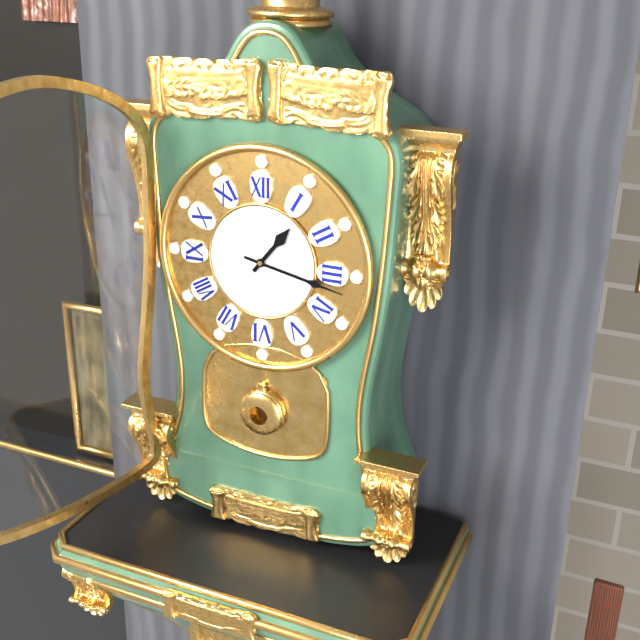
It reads 1.17
